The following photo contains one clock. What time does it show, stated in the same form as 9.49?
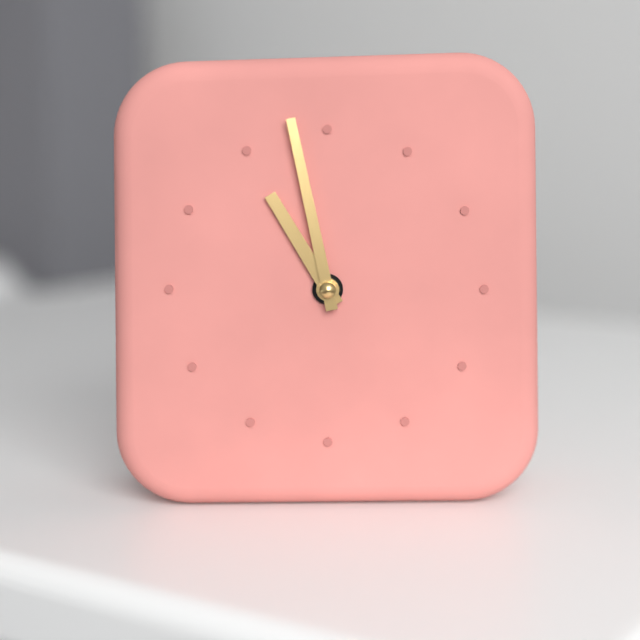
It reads 10.58
